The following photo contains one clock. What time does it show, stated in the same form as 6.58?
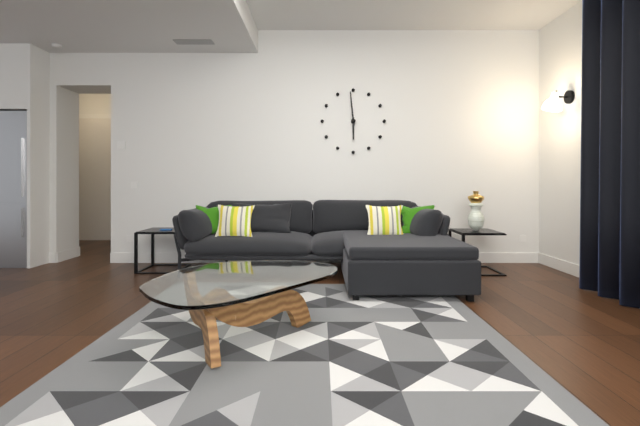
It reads 5.59
